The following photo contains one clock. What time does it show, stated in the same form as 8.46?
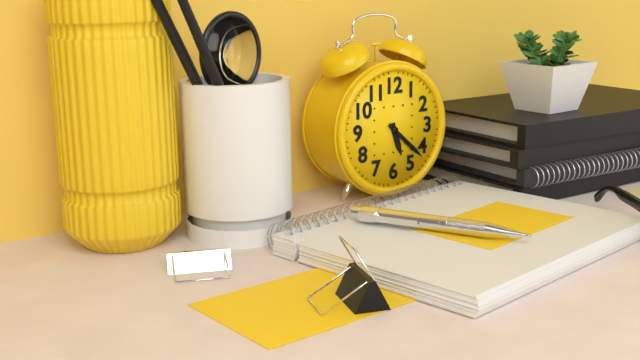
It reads 5.22
